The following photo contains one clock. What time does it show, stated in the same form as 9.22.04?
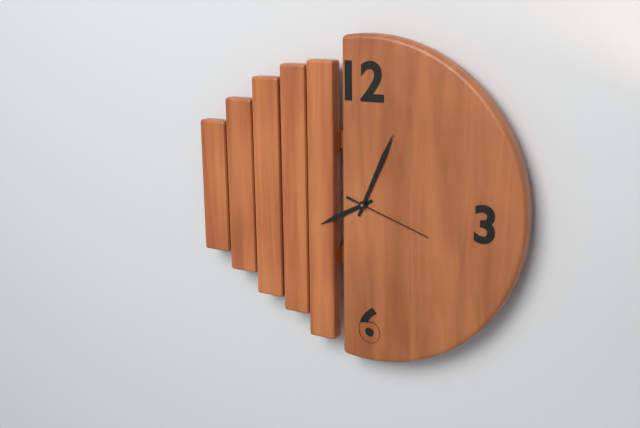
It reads 8.04.18
